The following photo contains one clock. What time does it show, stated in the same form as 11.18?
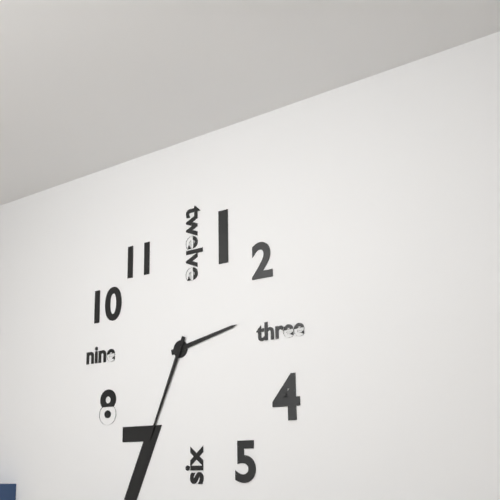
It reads 2.34
